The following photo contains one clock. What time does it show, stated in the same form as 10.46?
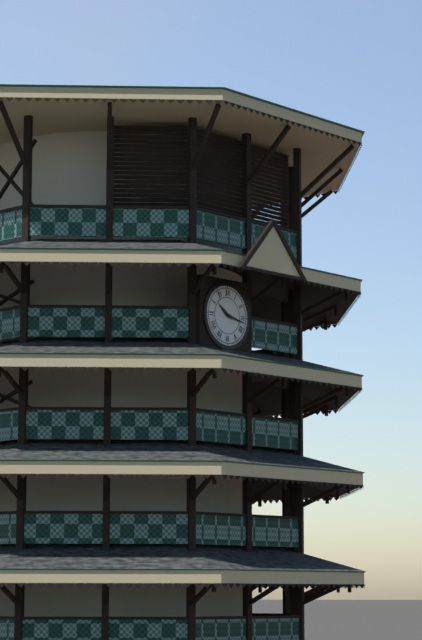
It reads 10.17
